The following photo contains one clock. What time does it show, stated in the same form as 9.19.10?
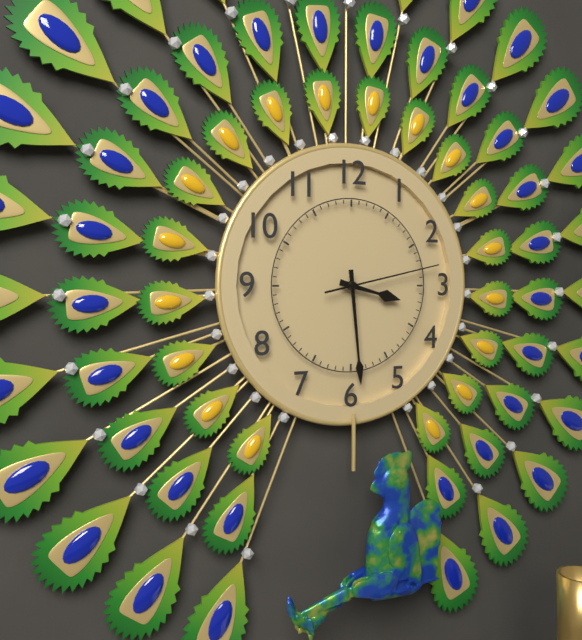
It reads 3.29.13
